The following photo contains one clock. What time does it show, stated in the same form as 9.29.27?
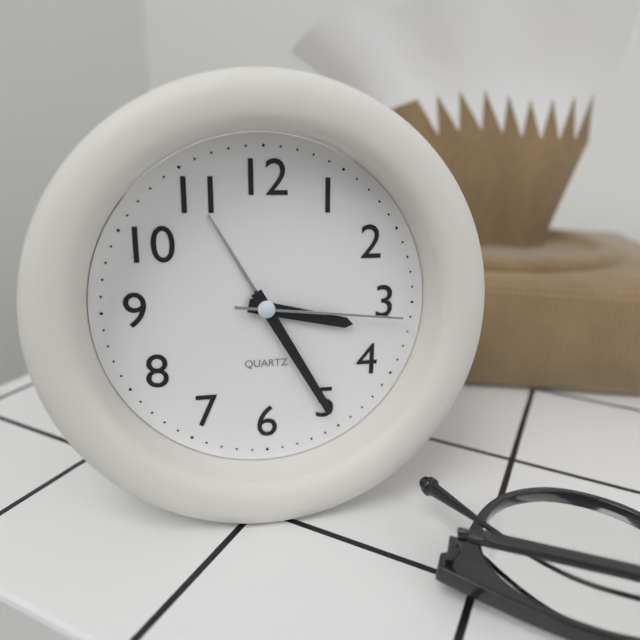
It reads 3.25.16
